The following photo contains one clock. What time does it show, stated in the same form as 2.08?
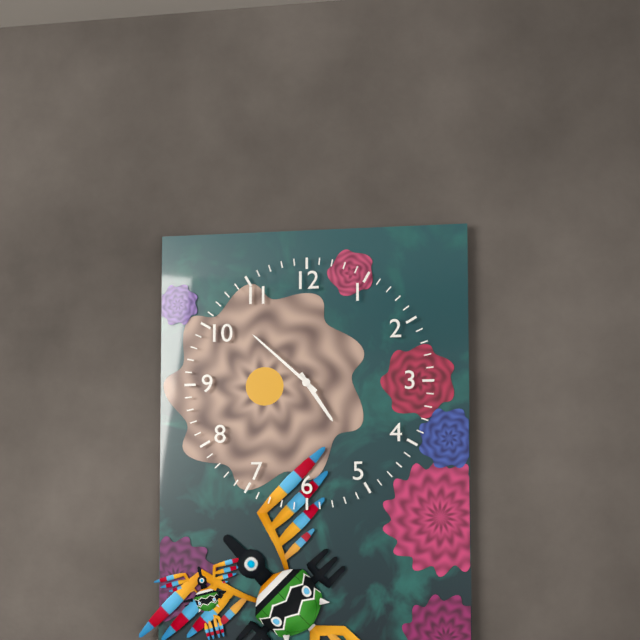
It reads 4.52
